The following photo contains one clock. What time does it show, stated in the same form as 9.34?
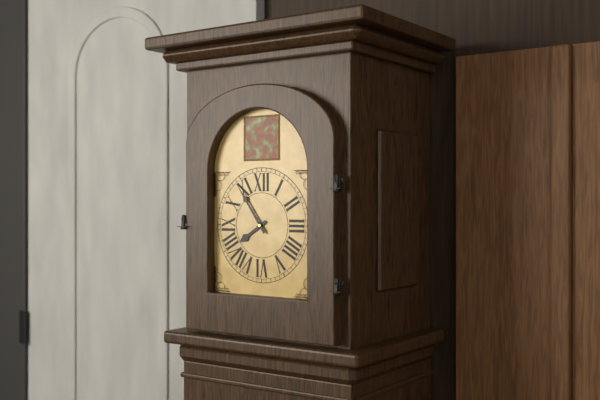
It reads 7.54
